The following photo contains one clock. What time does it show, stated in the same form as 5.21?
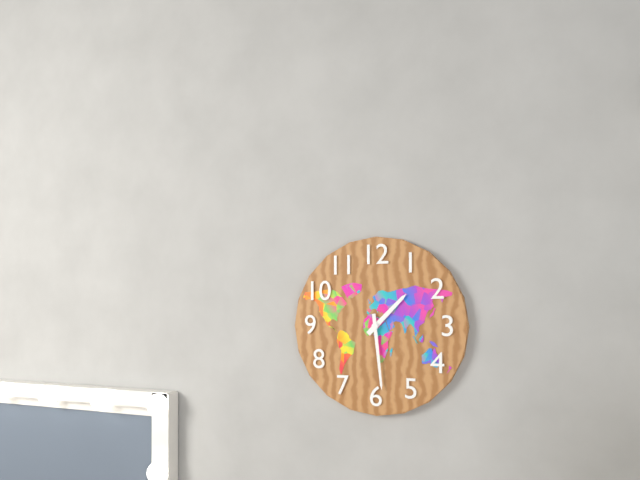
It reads 1.29
